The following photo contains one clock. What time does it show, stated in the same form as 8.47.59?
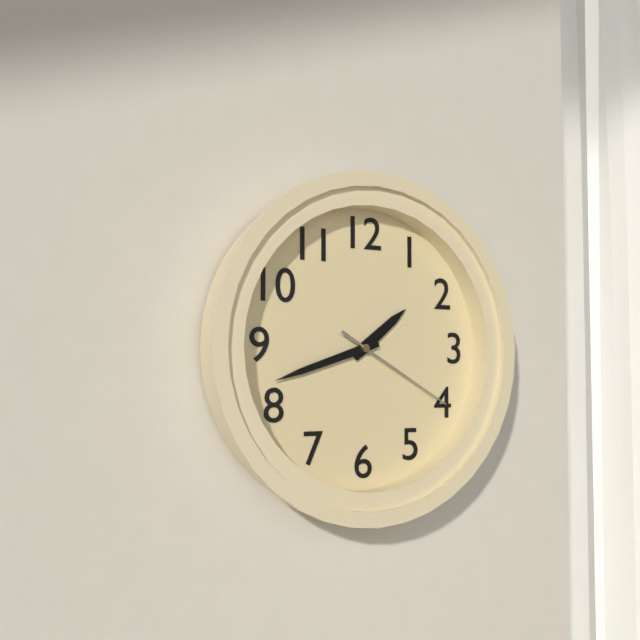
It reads 1.42.20
